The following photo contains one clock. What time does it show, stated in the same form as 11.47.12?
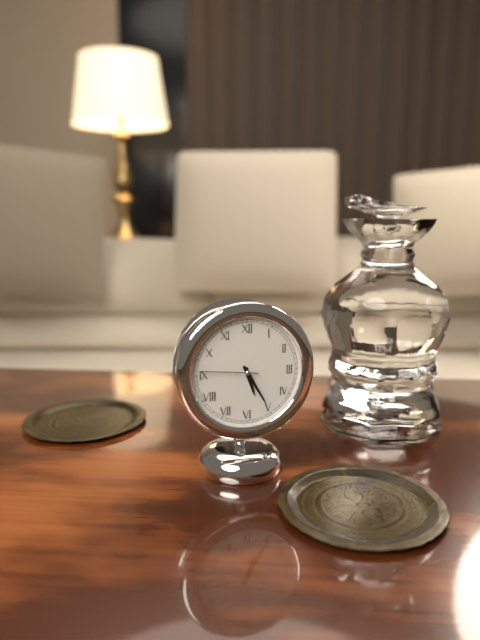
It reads 5.25.46
